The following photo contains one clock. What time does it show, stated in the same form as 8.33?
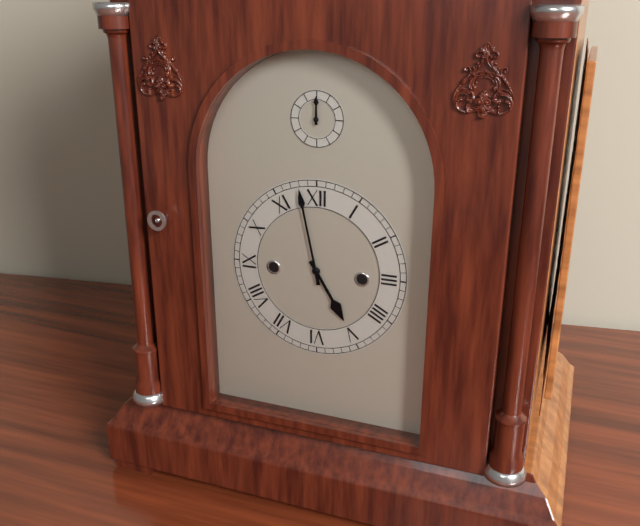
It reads 4.58
